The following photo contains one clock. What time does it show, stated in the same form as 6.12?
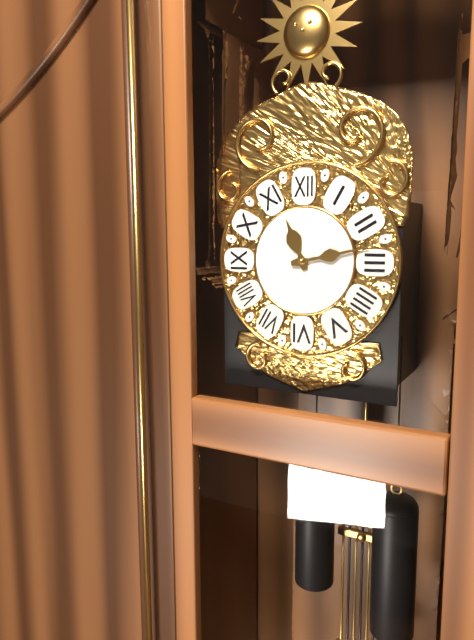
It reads 11.13
